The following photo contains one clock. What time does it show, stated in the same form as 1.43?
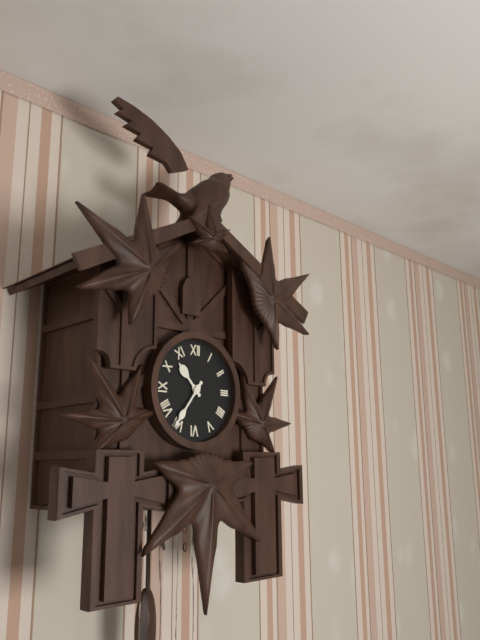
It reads 10.36
